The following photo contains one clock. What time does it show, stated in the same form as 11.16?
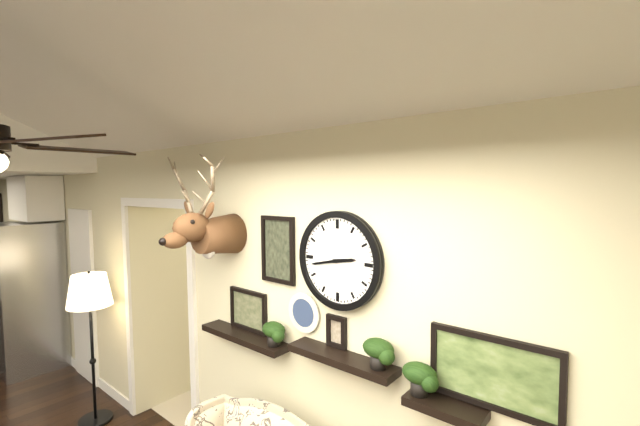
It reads 2.43
